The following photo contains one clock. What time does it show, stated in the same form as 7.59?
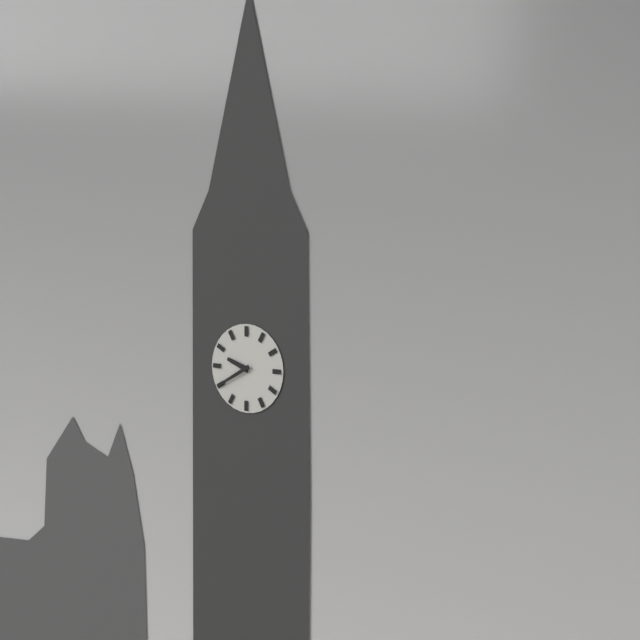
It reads 9.40
